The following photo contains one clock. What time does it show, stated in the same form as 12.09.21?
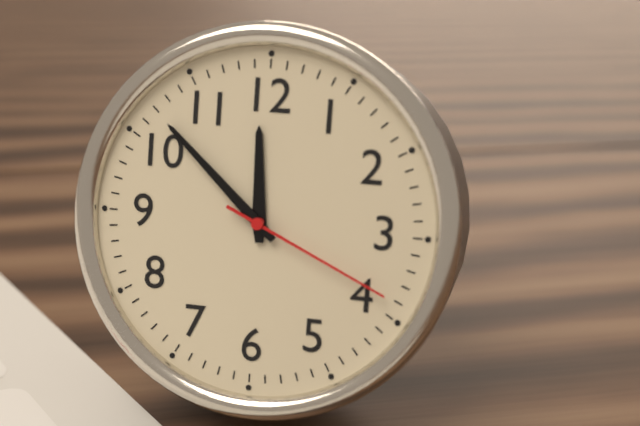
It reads 11.52.19
